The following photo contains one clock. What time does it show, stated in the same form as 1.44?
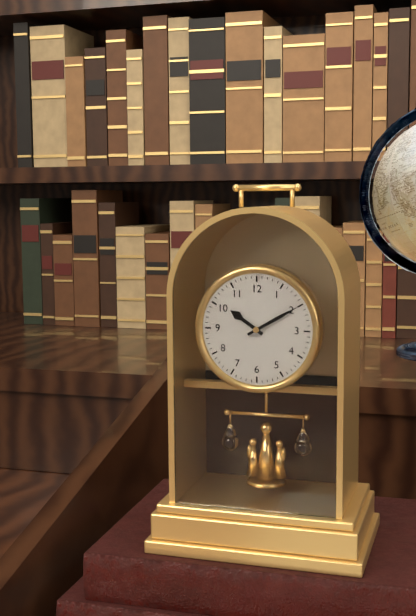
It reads 10.10
